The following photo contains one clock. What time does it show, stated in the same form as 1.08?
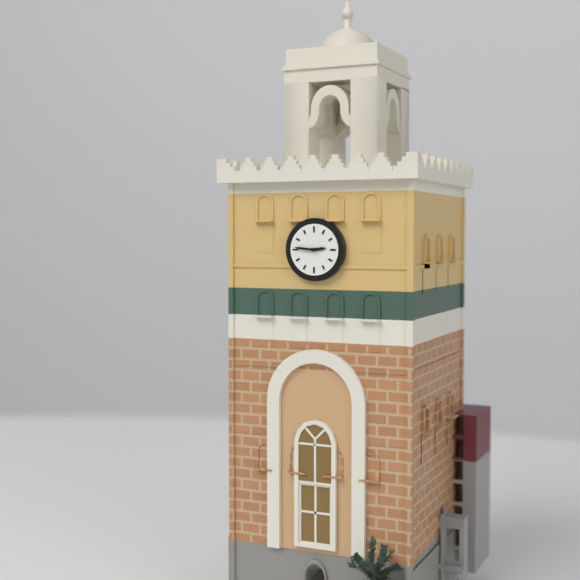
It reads 2.46
